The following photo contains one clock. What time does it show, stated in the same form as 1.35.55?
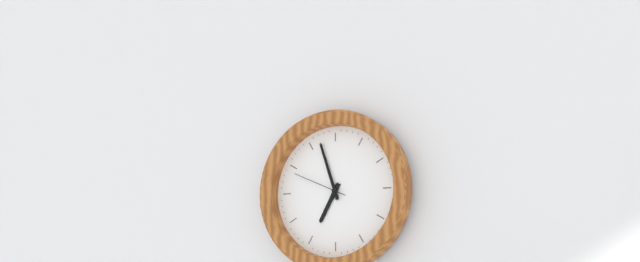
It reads 6.57.49
